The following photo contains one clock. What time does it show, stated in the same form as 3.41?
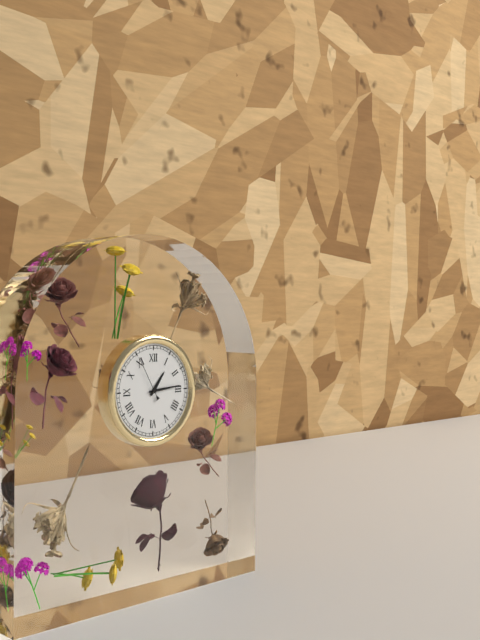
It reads 1.14
